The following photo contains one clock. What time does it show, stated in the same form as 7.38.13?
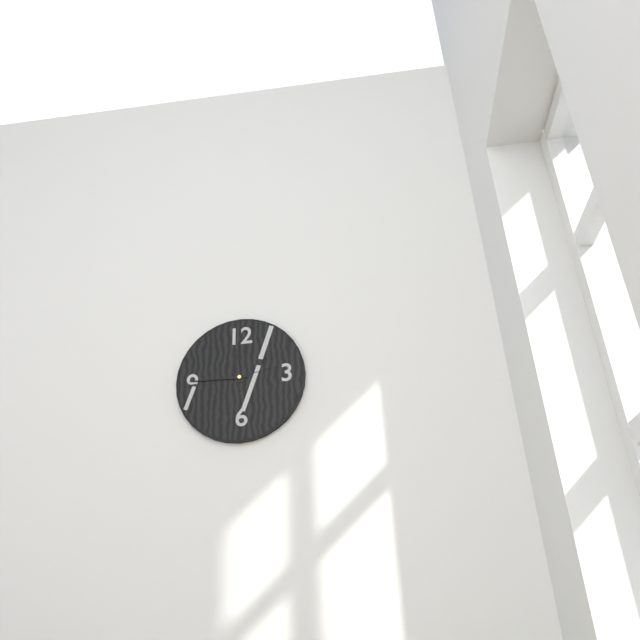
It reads 11.45.13
